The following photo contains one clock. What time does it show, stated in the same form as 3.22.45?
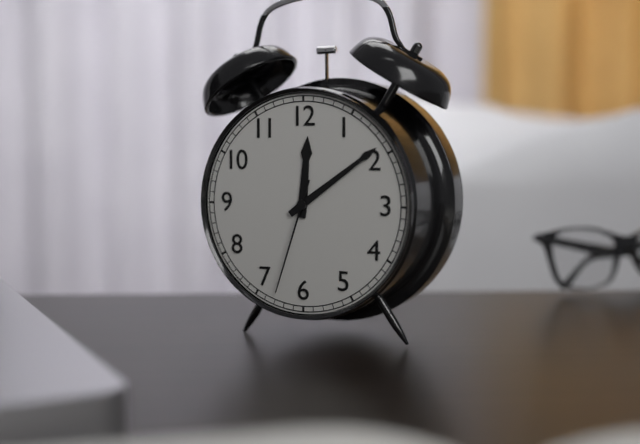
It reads 12.09.33
